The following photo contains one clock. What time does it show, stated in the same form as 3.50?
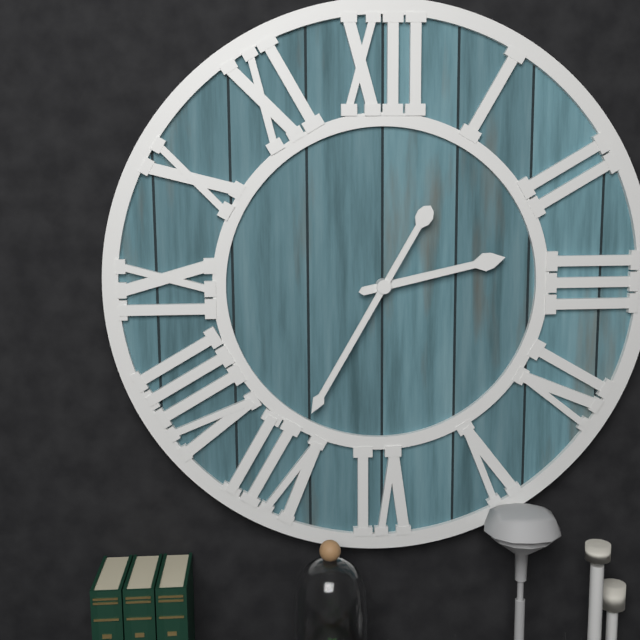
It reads 2.35
